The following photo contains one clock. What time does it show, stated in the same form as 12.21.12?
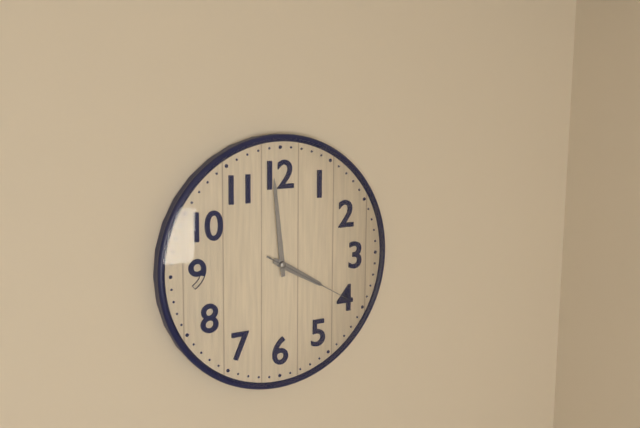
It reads 3.59.20
